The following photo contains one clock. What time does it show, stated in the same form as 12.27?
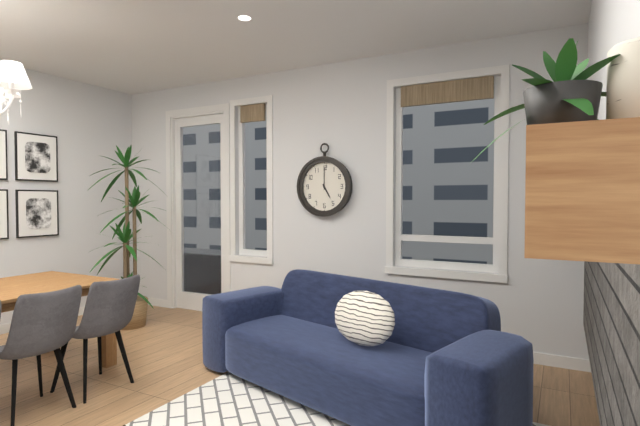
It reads 5.00
